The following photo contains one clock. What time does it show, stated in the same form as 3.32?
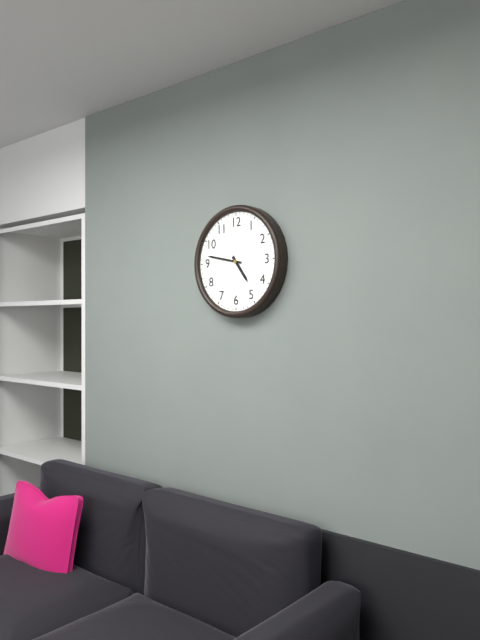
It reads 4.47
